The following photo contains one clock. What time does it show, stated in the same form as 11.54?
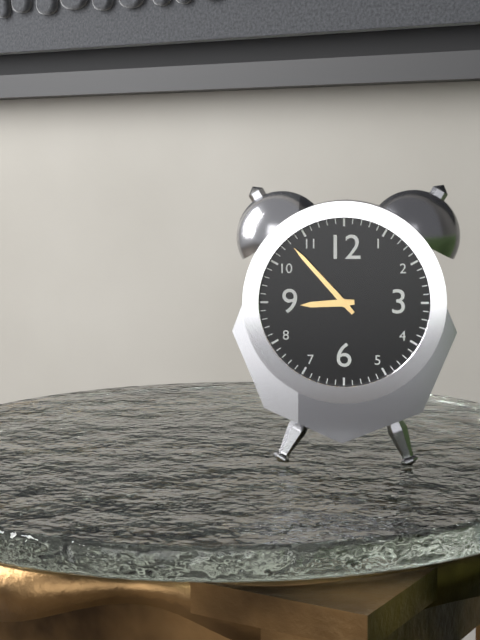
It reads 8.53
